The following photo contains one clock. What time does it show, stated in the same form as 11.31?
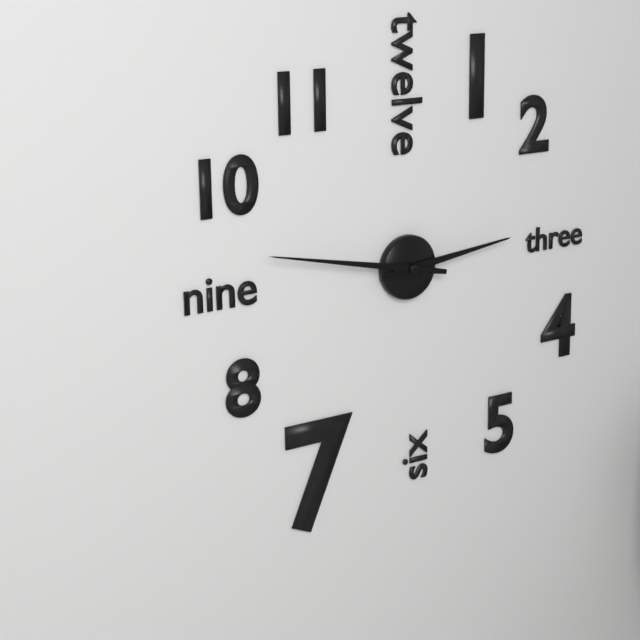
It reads 2.47
